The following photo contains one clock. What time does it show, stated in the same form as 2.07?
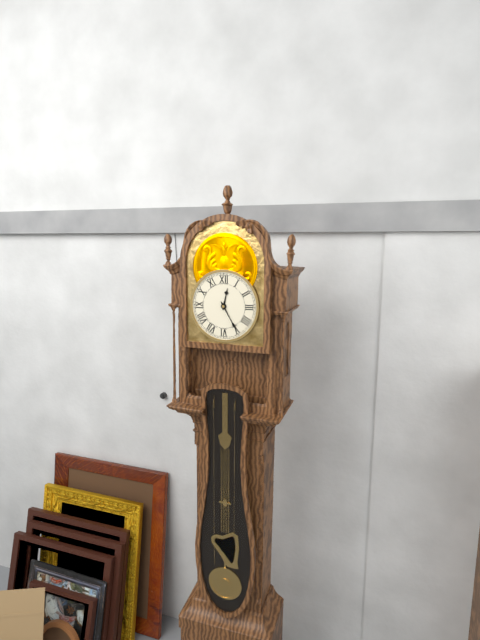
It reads 12.25
